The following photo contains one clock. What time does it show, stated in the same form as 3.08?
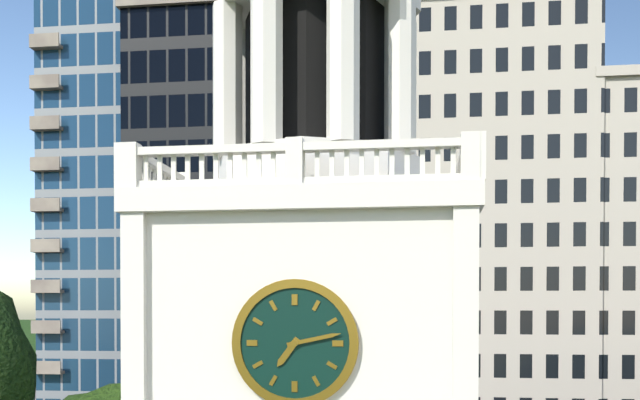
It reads 7.13
